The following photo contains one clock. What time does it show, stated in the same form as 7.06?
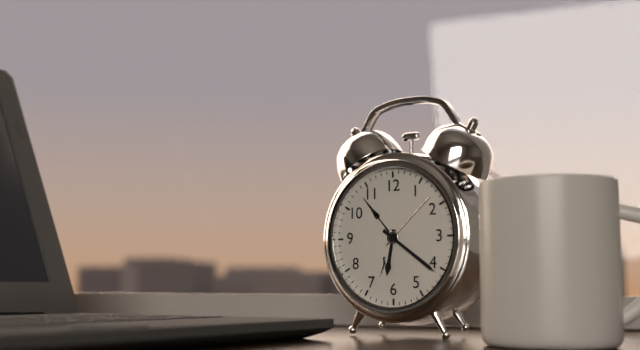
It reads 6.21
